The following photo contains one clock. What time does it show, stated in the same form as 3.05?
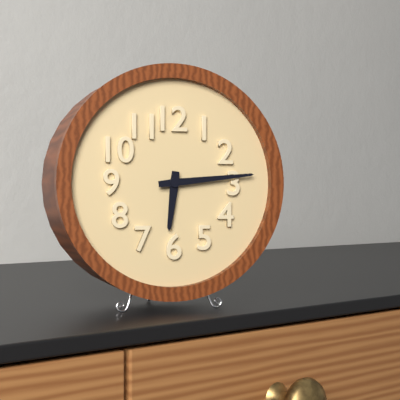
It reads 6.14
